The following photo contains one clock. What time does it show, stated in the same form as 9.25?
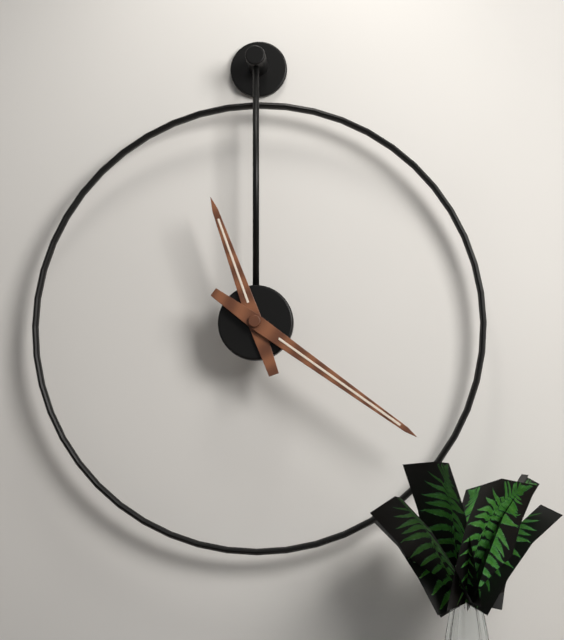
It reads 11.21
